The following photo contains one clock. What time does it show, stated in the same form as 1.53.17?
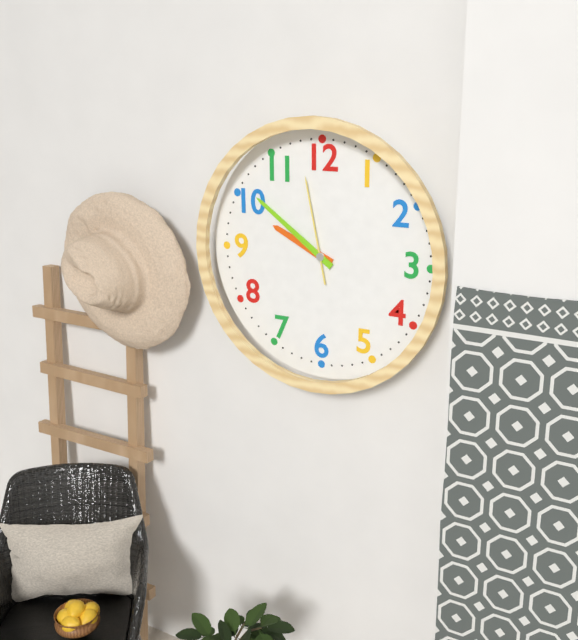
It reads 9.51.58
